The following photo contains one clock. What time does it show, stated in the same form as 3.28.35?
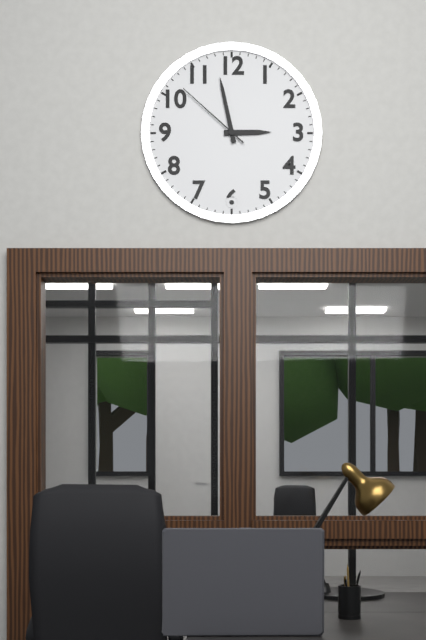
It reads 2.58.52
